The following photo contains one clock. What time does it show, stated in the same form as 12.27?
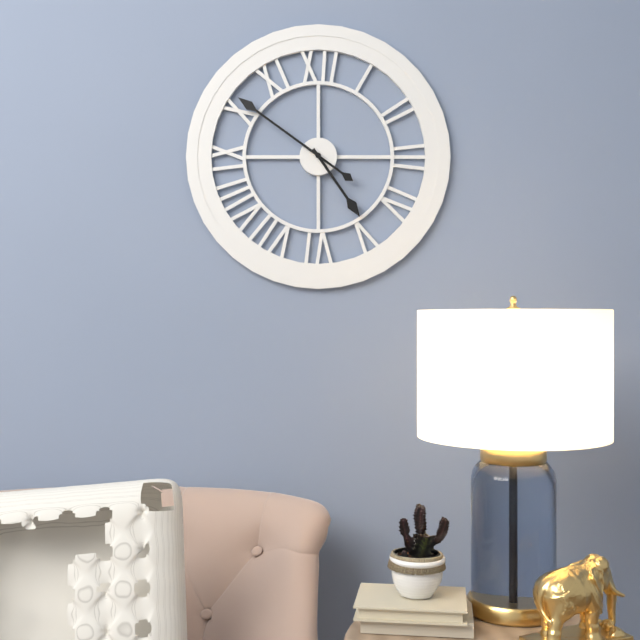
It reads 4.51
